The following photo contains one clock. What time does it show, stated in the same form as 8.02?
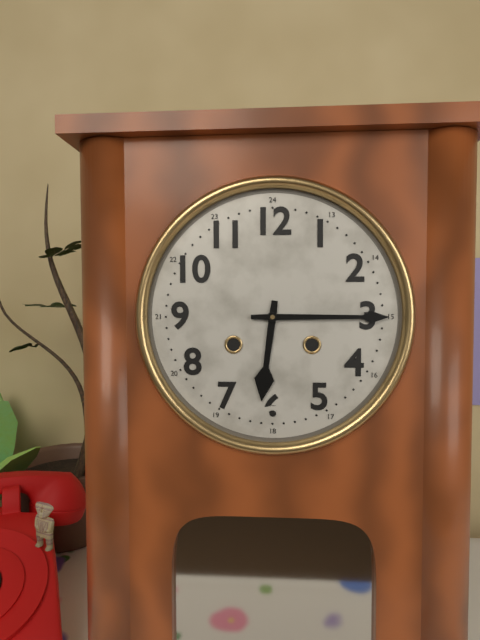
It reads 6.15
